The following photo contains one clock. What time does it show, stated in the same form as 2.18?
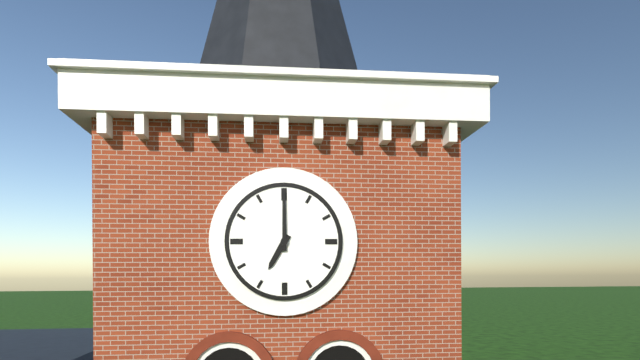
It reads 7.00
